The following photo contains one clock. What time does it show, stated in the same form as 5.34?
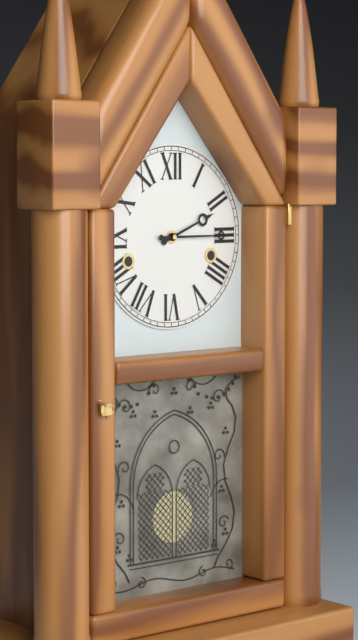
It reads 2.15
